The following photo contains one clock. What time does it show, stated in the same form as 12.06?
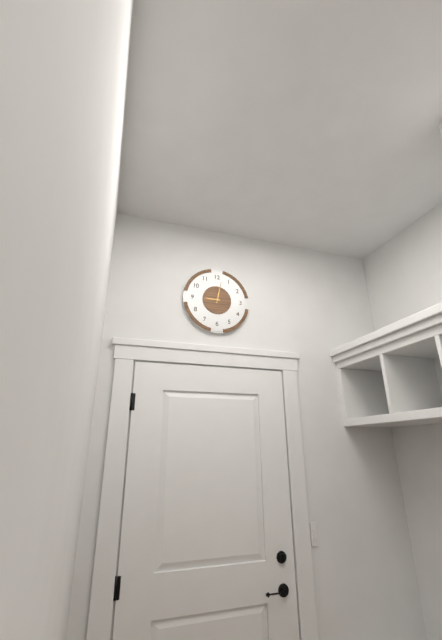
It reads 9.02
